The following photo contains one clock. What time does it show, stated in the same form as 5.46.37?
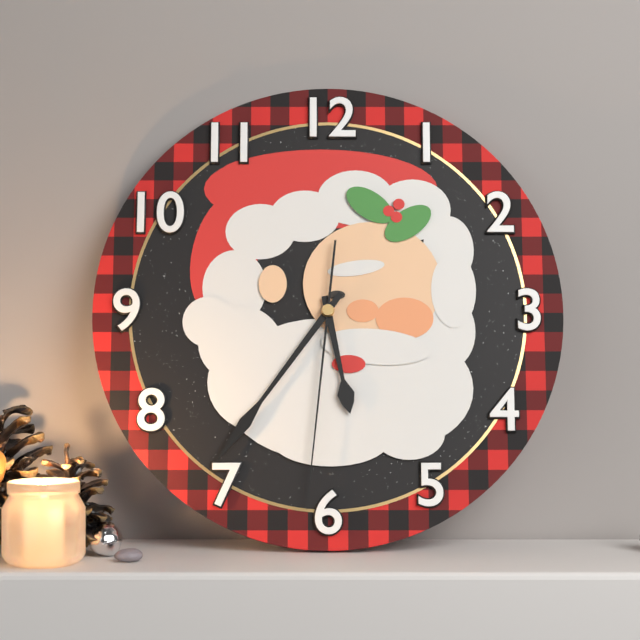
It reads 5.36.31
